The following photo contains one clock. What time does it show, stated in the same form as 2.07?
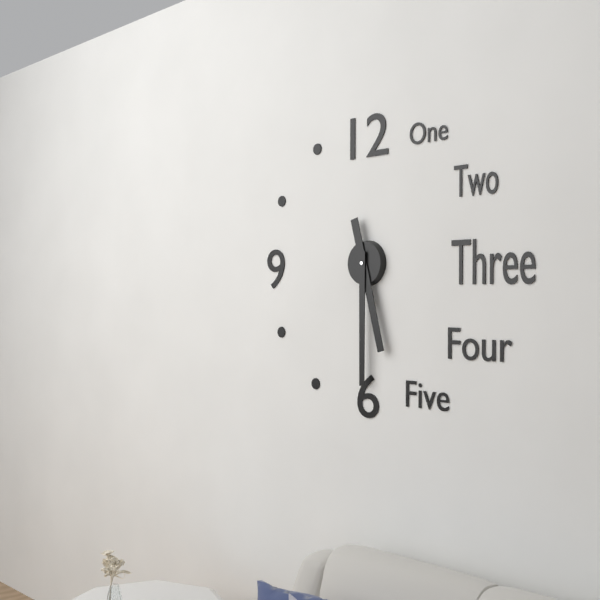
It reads 5.30
